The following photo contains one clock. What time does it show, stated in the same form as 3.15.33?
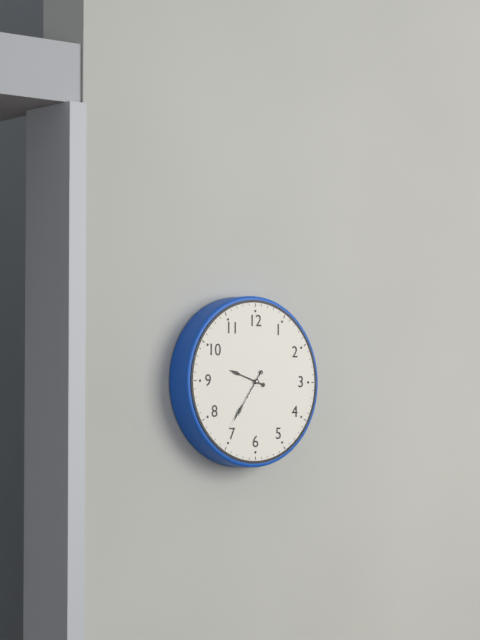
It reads 9.36.36
